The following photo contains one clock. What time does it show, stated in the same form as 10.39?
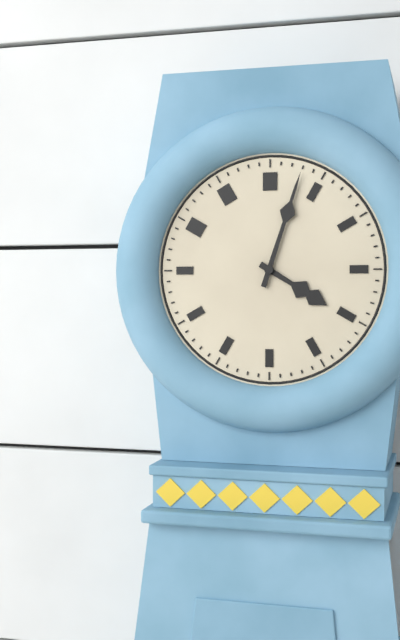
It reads 4.03
